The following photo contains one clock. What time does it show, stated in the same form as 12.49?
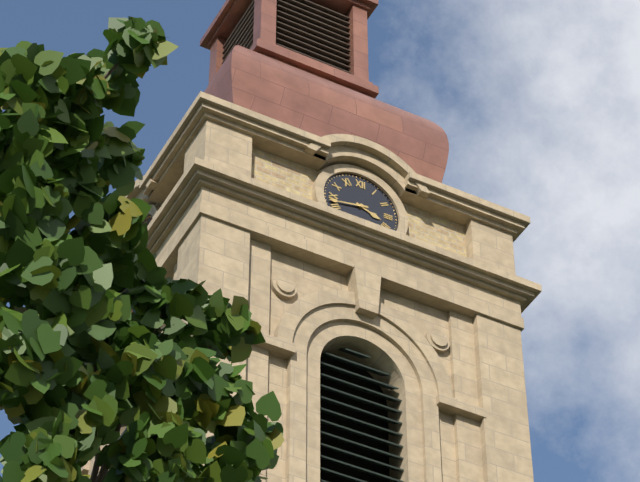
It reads 3.43
